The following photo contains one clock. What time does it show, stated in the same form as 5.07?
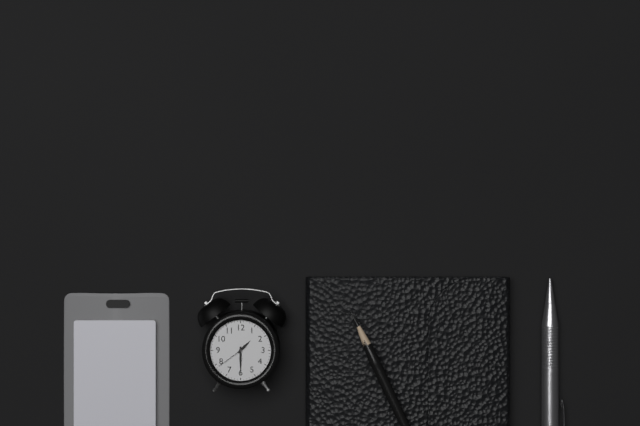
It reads 1.30
